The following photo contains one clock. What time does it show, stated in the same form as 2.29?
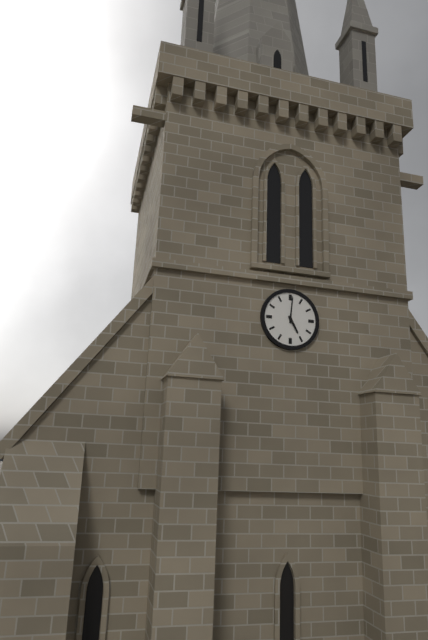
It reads 5.01
